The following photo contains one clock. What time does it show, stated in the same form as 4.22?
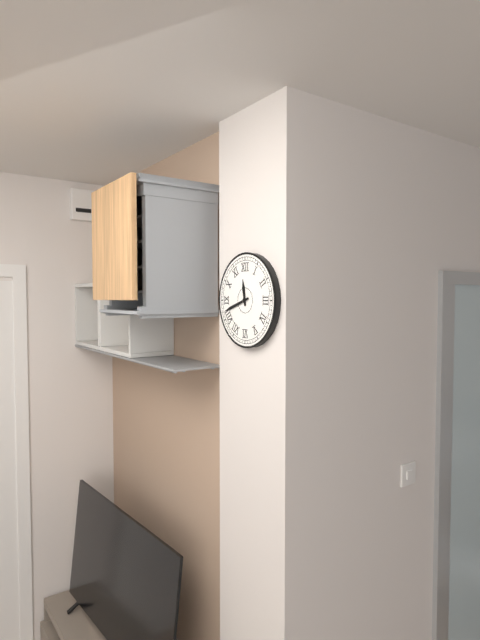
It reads 11.42
